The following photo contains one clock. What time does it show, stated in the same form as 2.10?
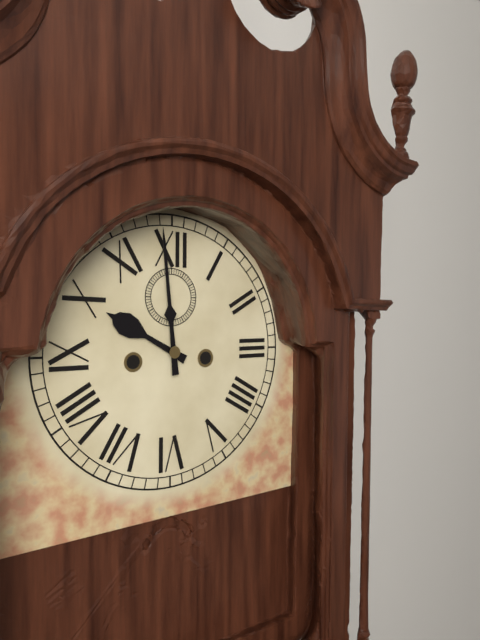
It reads 9.59
